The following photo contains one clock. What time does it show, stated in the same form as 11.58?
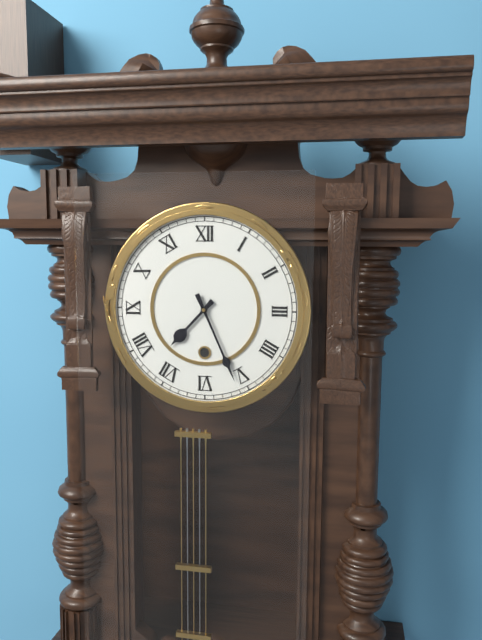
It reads 7.26
